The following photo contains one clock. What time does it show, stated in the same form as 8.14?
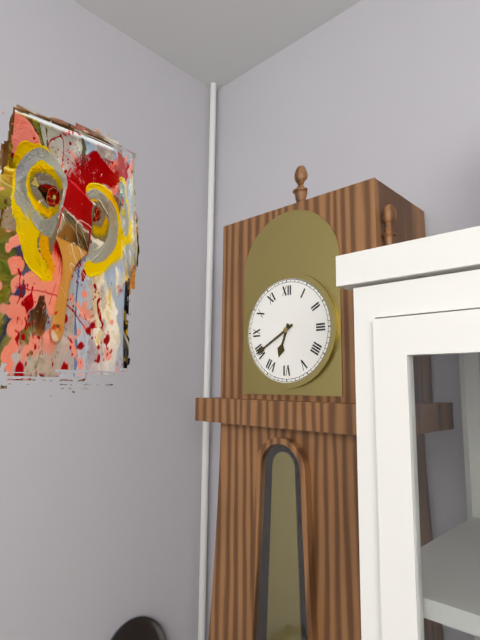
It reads 6.40
